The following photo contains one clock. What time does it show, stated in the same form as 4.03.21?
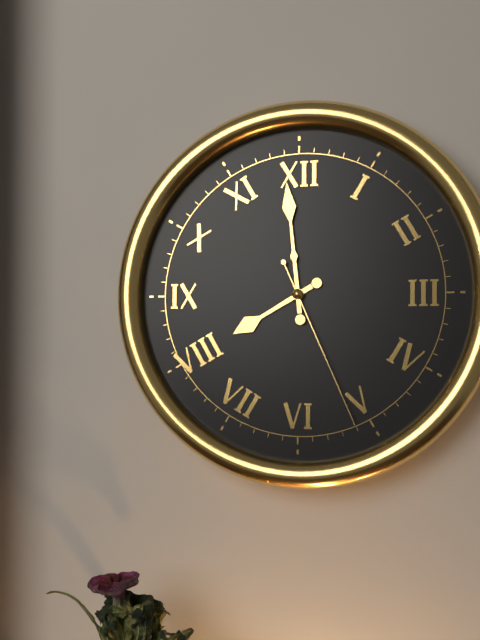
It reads 7.59.26
